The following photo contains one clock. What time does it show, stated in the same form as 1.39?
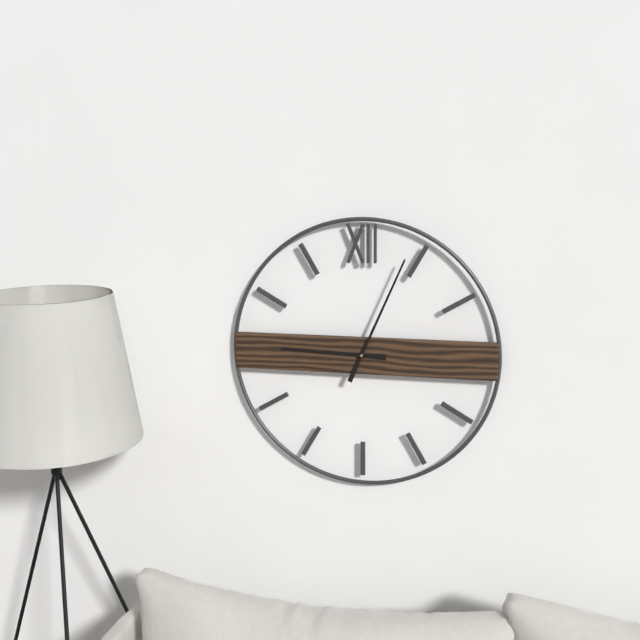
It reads 9.04
